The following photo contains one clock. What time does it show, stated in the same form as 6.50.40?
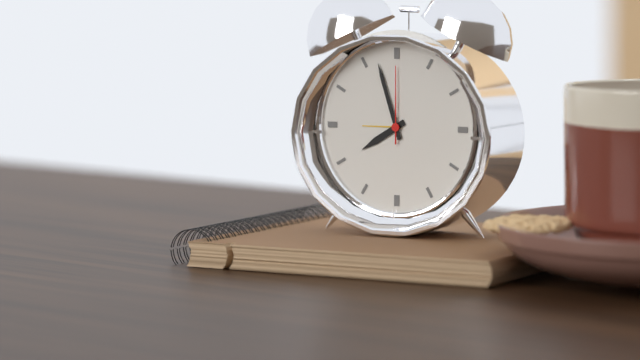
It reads 7.57.00
